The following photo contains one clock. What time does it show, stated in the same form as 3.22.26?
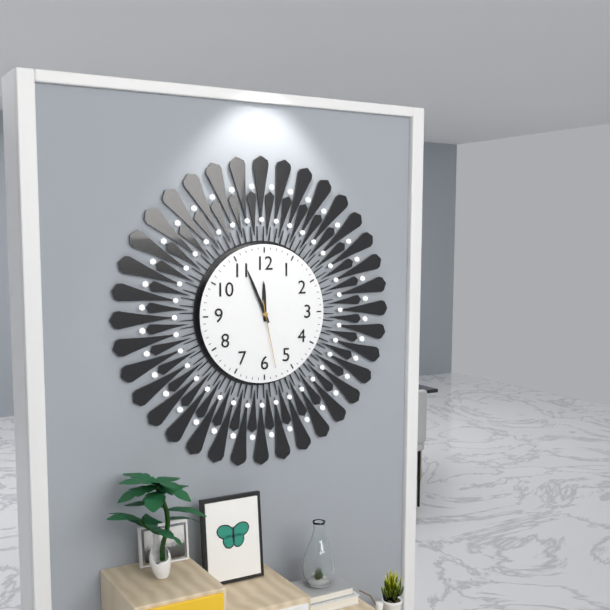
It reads 11.56.28
